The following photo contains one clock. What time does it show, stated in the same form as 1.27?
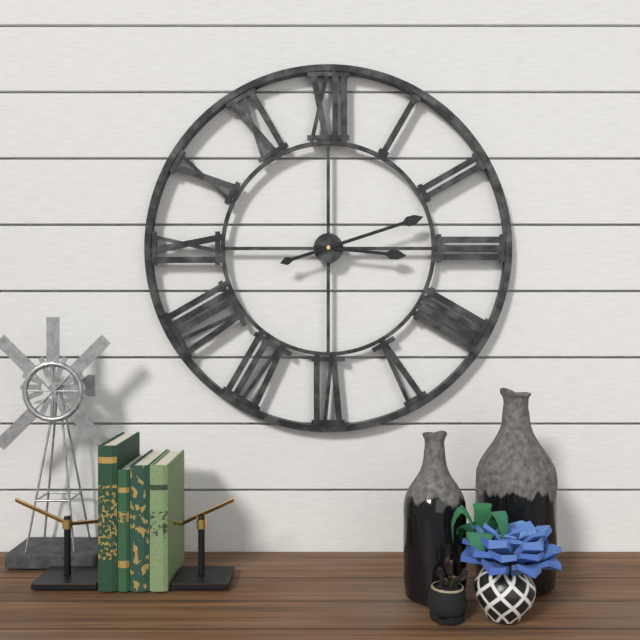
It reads 3.12
